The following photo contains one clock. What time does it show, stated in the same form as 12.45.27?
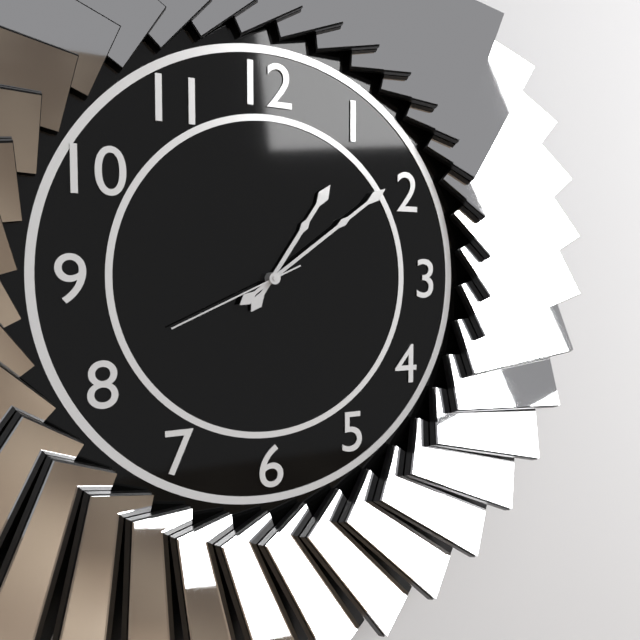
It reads 1.09.41
